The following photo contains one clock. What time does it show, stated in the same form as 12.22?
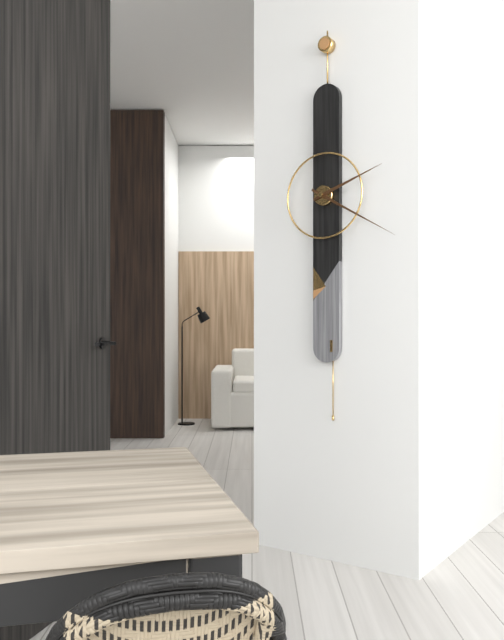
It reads 2.20
